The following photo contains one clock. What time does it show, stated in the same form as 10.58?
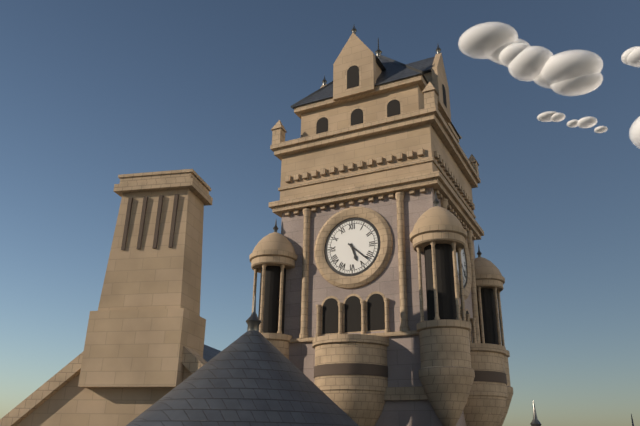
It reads 5.22
